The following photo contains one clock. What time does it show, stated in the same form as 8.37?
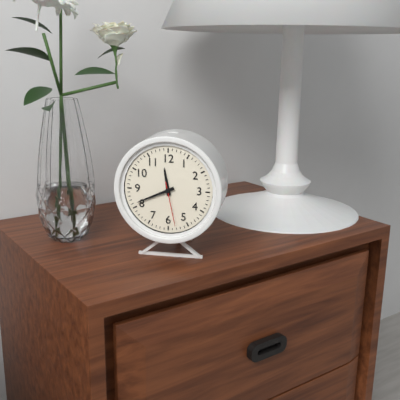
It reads 11.41
